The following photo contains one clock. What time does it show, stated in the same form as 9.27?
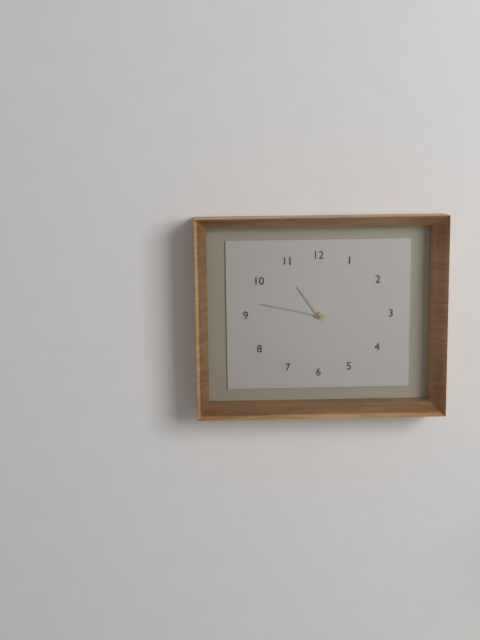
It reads 10.47
